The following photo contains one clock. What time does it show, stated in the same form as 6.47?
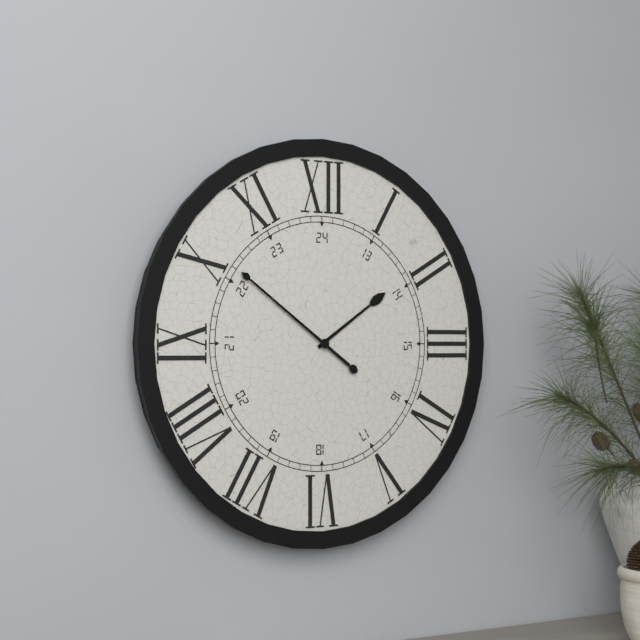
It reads 1.51
